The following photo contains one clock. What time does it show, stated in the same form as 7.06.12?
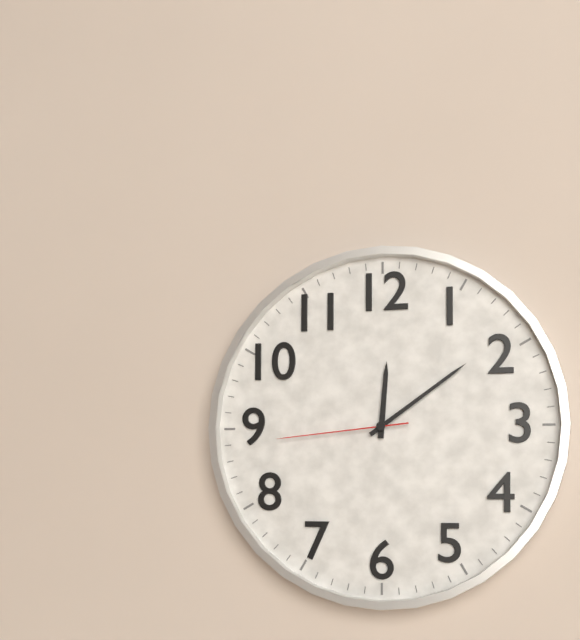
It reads 12.09.44
